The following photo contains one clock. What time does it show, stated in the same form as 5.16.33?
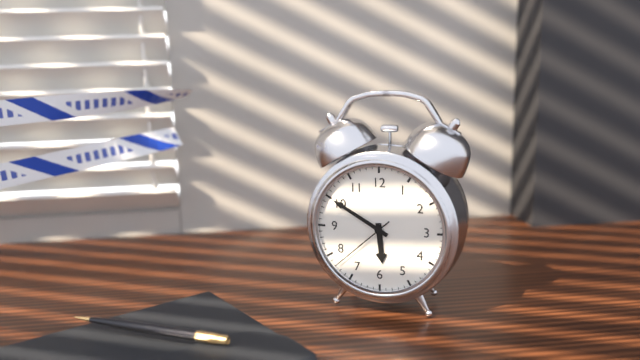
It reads 5.50.38
